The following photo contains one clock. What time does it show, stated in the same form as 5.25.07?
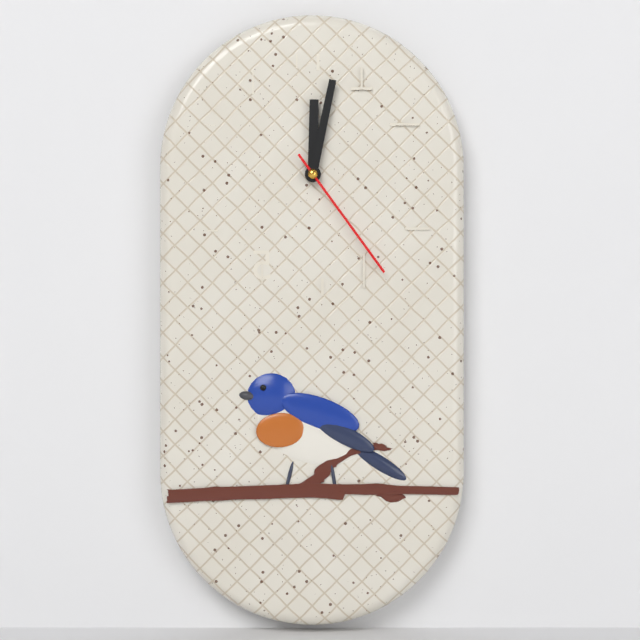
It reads 12.02.24
